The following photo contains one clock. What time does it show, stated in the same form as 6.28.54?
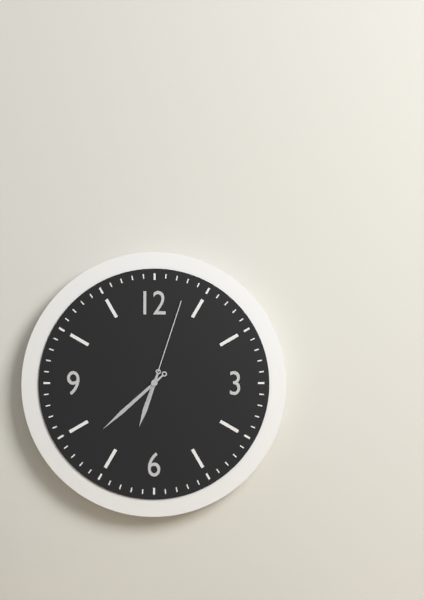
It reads 6.38.03
